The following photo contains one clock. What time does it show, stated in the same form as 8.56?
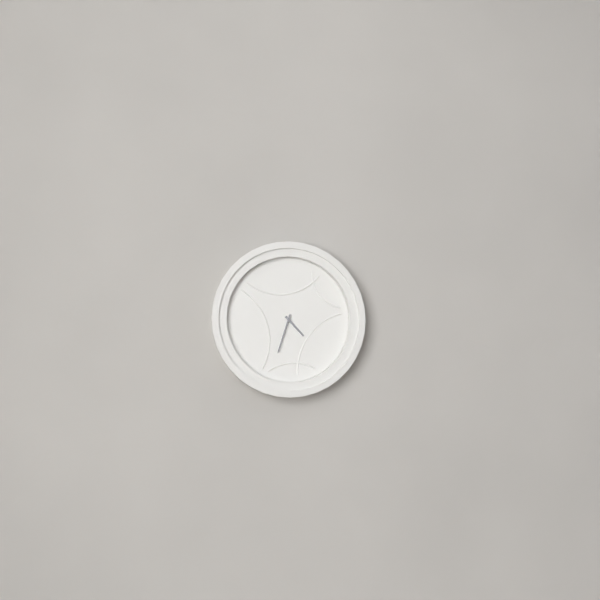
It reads 4.33
